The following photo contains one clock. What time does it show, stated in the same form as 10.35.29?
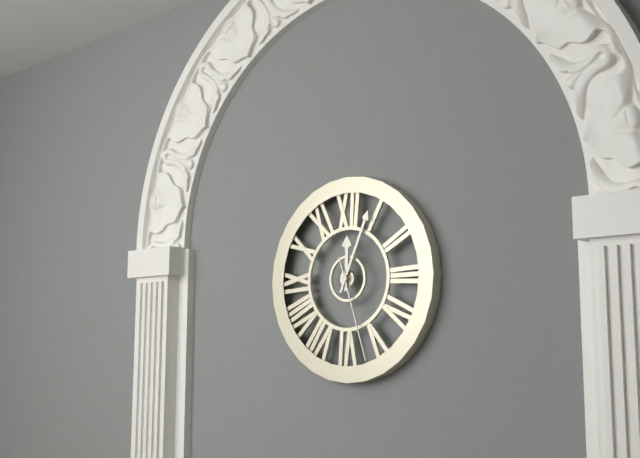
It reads 12.04.27
